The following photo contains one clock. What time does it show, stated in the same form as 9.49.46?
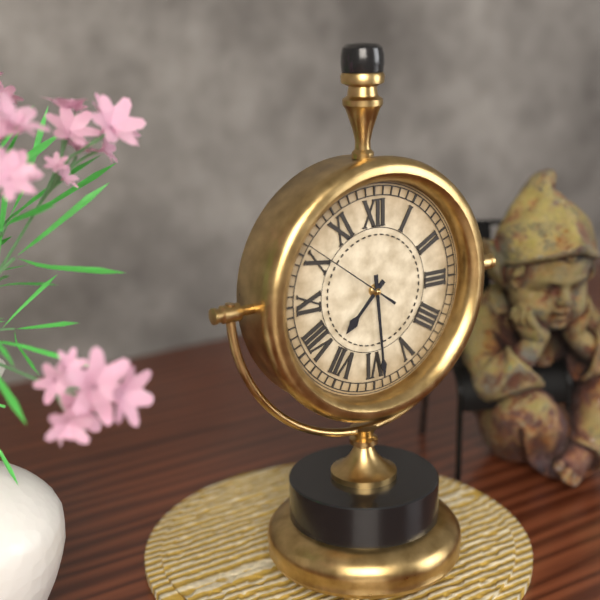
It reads 7.29.51
